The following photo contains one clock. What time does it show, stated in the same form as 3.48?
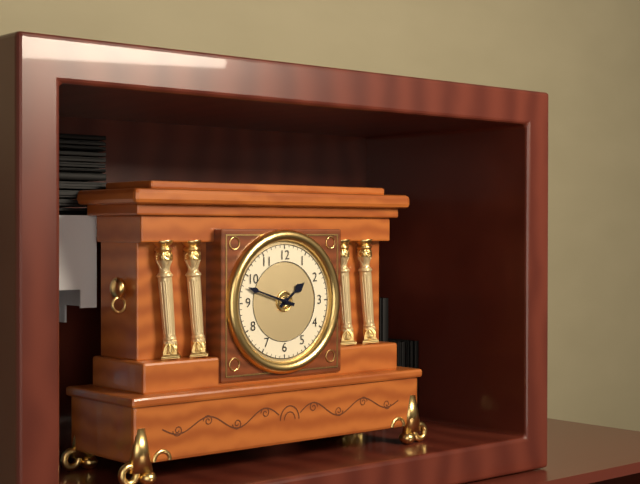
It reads 1.48
